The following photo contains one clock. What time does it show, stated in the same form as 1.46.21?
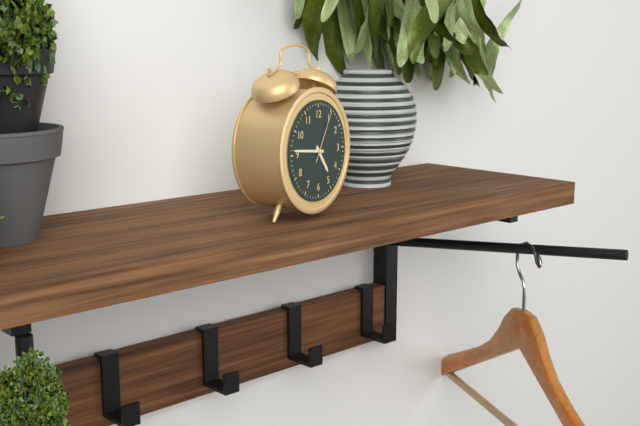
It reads 4.46.05
